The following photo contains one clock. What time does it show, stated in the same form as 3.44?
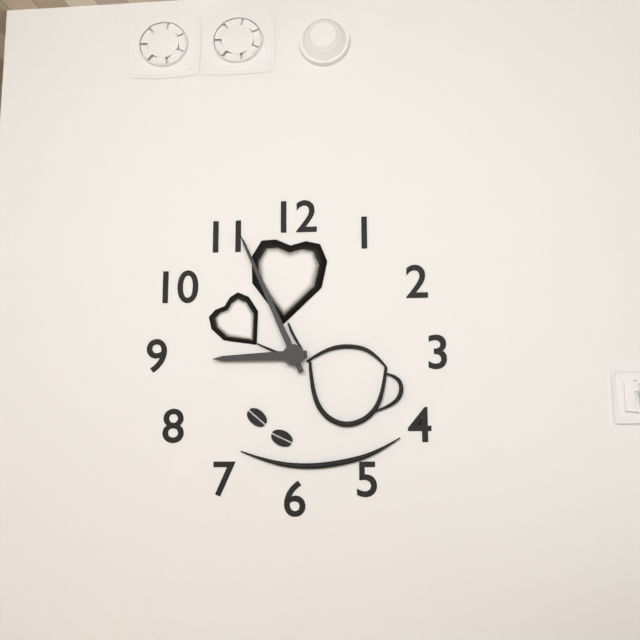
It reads 8.56
